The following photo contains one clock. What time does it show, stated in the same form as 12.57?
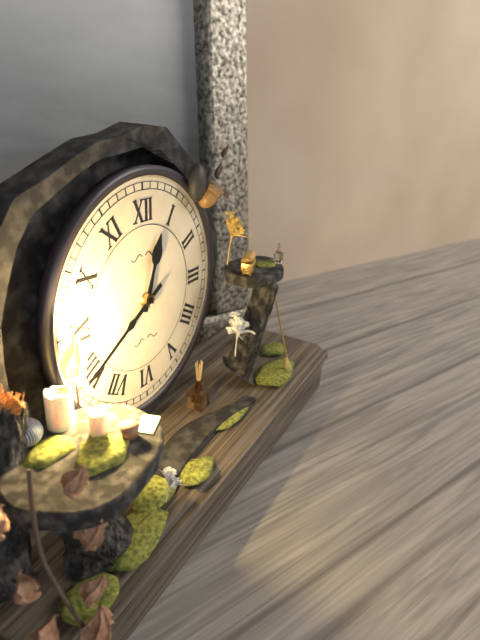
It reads 12.40
